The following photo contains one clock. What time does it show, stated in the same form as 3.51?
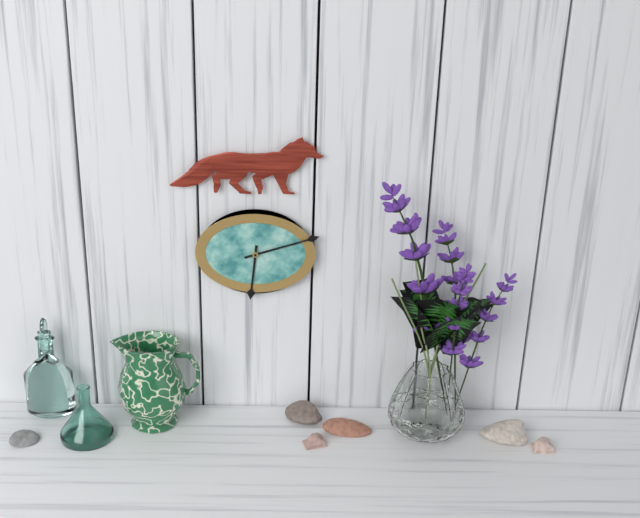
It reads 6.12
